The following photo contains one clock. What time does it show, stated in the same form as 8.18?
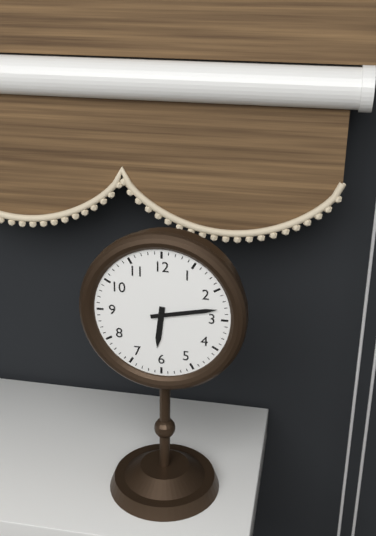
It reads 6.13
